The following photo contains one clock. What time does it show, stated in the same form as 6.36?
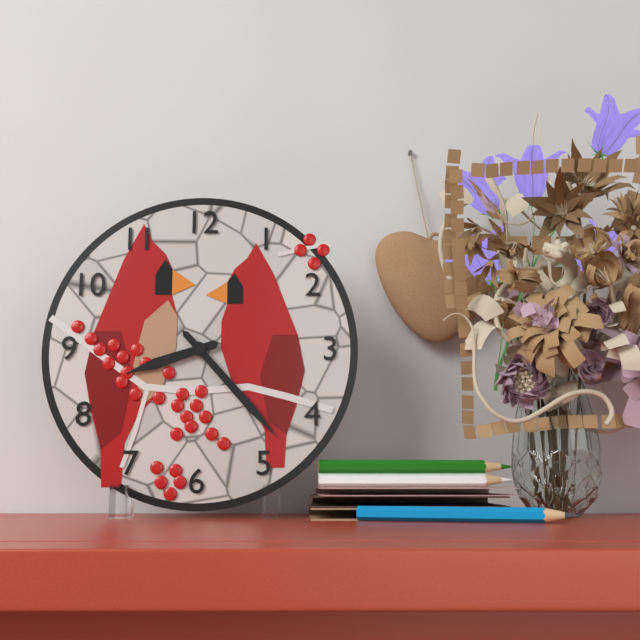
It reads 8.23
